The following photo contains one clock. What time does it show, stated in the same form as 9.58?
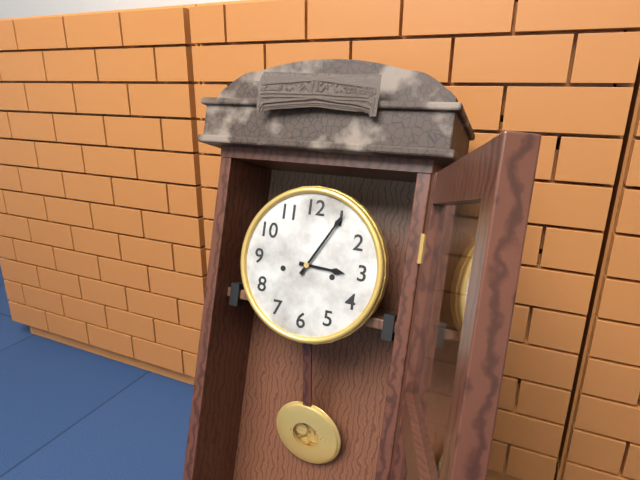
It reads 3.05
